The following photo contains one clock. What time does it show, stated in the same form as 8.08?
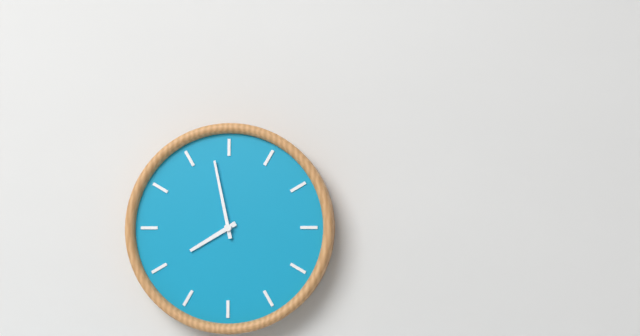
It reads 7.58
